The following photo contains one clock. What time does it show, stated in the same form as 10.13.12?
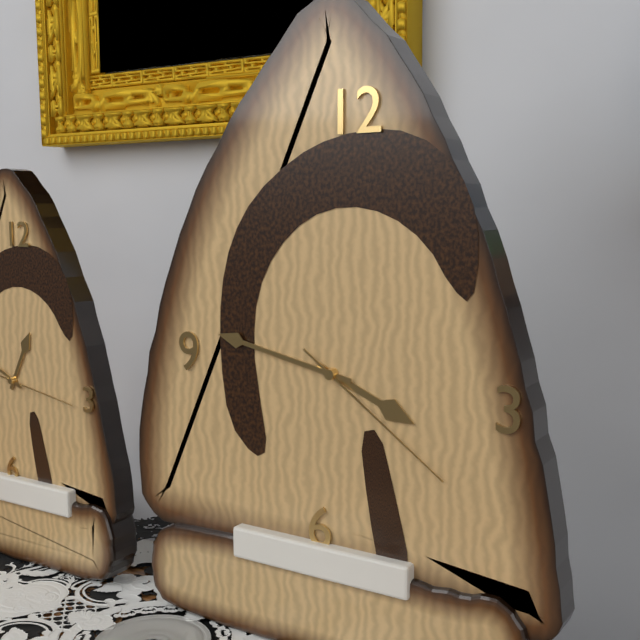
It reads 3.47.21
